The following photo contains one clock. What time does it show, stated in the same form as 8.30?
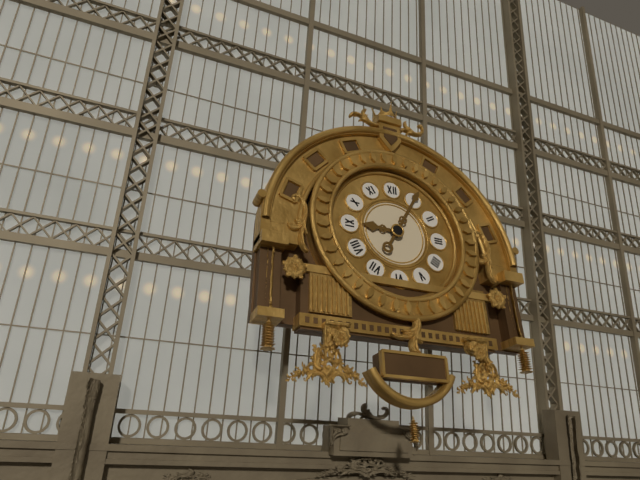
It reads 9.05
